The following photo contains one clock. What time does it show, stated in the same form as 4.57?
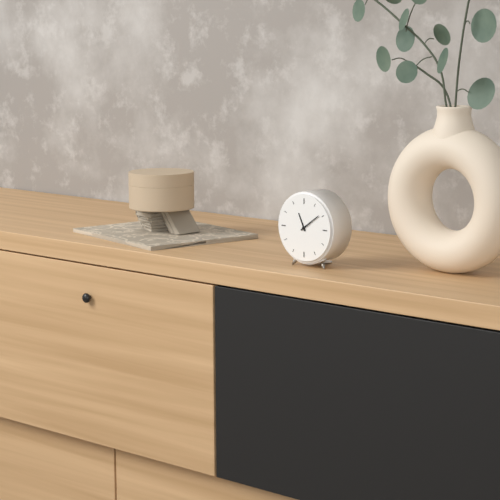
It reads 11.09
